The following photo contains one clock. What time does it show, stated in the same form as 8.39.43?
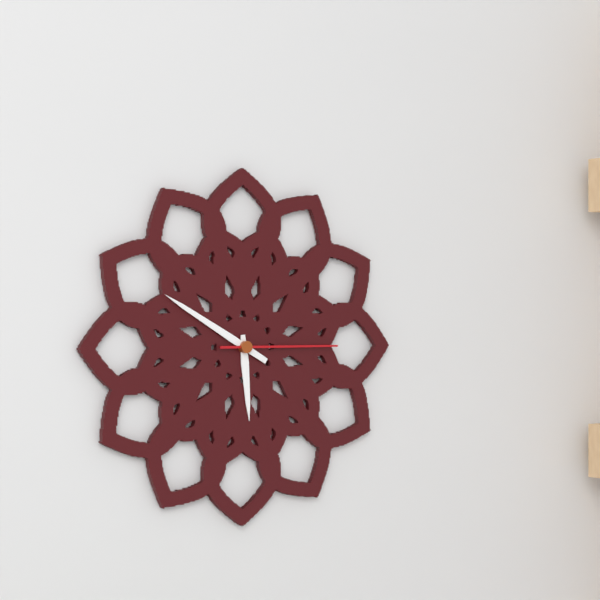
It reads 5.50.15
